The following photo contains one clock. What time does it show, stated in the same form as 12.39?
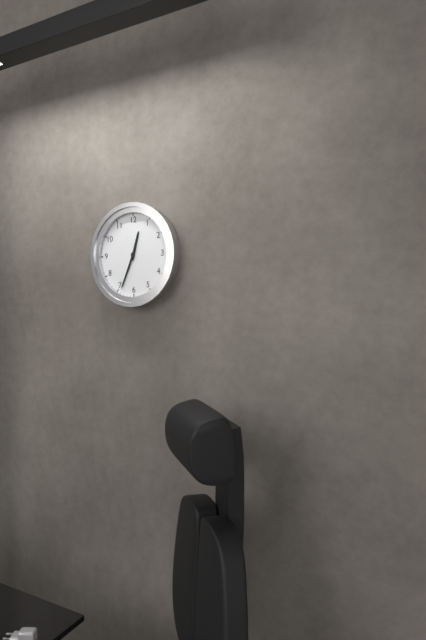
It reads 12.34
